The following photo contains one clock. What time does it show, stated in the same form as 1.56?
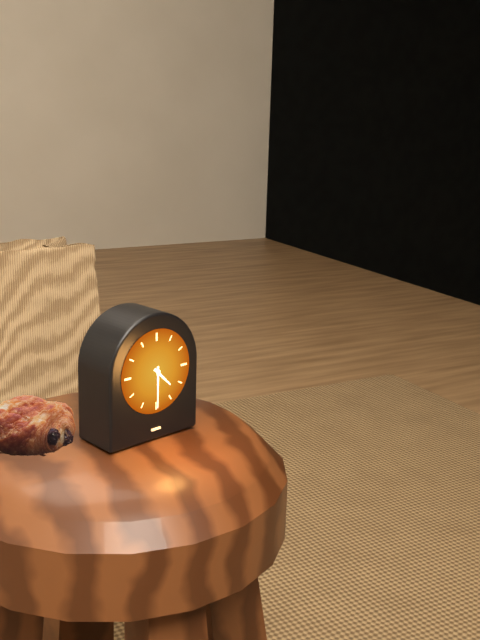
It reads 4.30
